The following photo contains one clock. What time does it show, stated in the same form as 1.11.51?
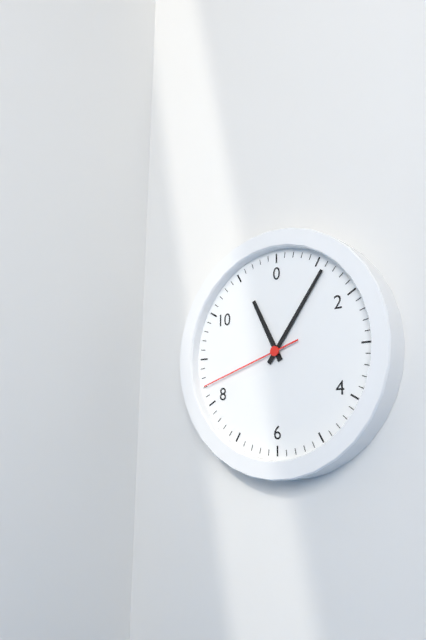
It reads 11.06.42
